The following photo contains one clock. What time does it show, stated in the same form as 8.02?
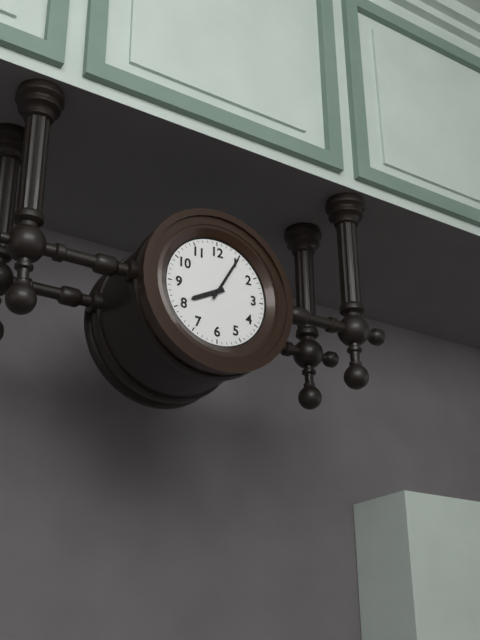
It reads 8.05
